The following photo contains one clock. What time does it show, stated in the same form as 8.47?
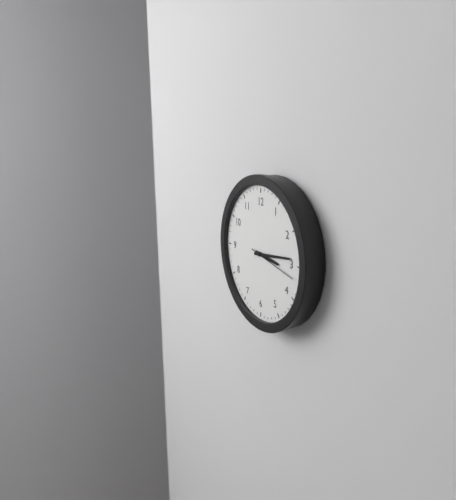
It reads 3.14
